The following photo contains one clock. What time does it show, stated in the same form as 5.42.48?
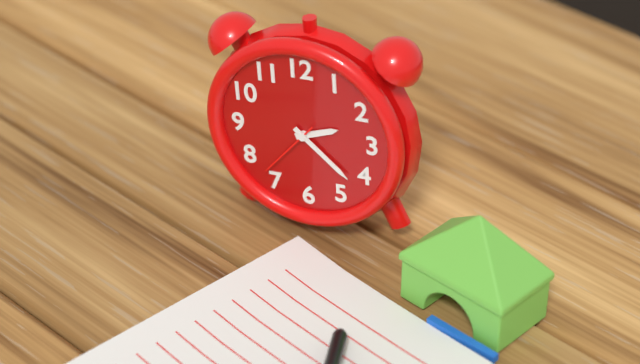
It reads 2.22.37
